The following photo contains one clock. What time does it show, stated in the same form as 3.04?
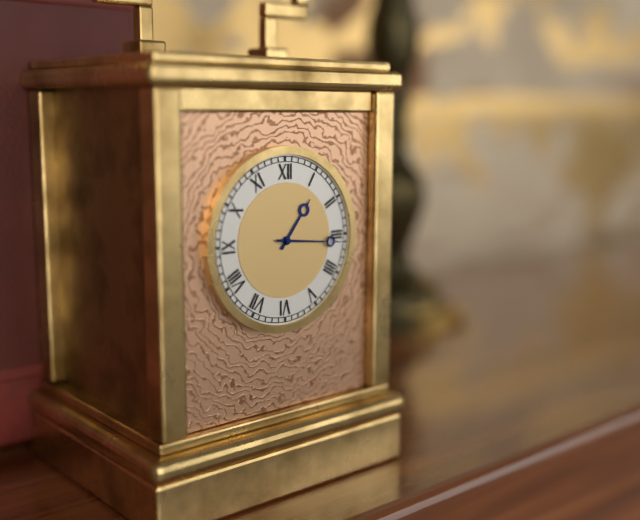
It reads 1.16
